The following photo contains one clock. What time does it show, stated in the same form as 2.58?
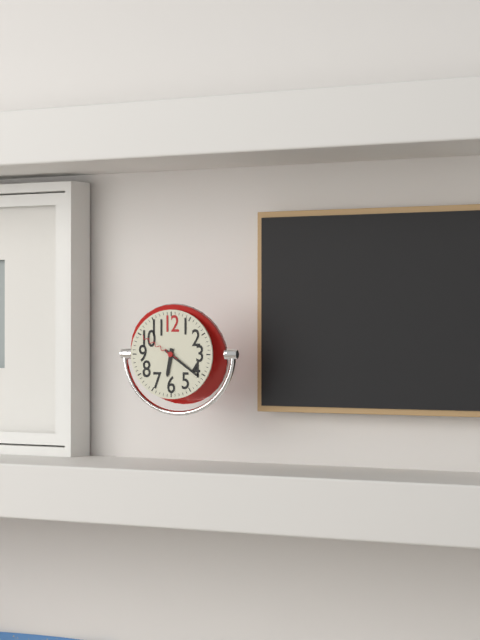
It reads 6.21
